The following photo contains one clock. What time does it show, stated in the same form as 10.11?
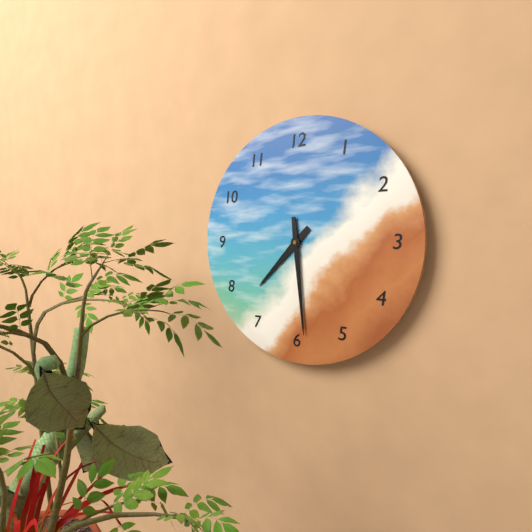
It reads 7.29
